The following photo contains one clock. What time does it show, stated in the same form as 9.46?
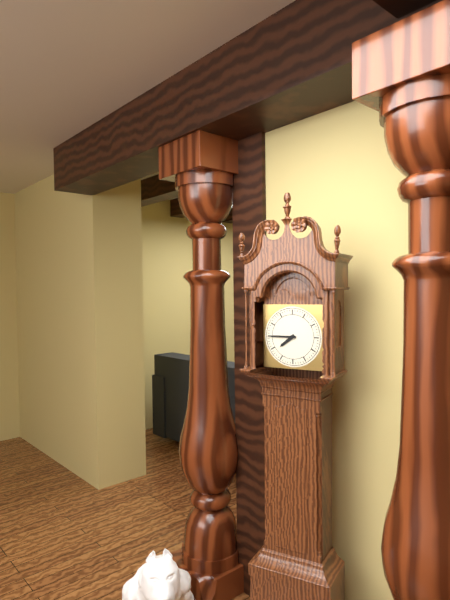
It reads 7.45
